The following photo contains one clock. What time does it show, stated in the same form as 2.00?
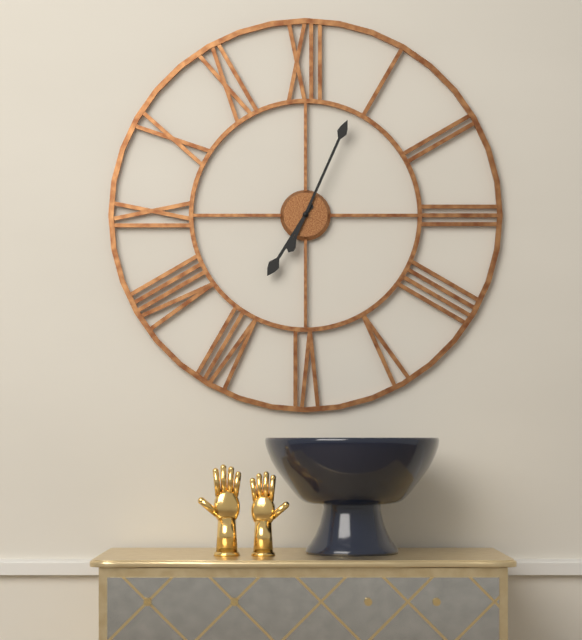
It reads 7.04
